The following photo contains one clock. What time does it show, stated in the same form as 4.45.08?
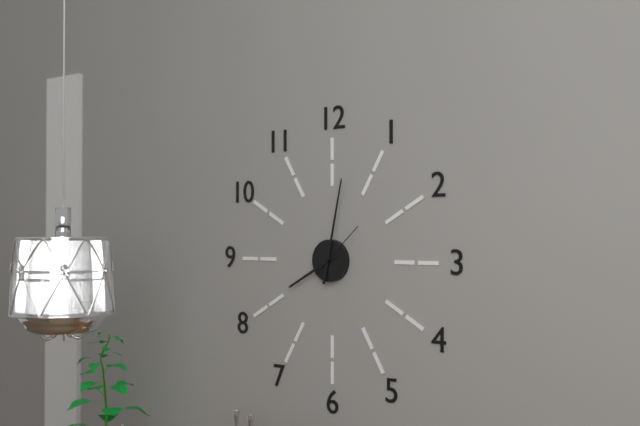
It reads 8.02.08
